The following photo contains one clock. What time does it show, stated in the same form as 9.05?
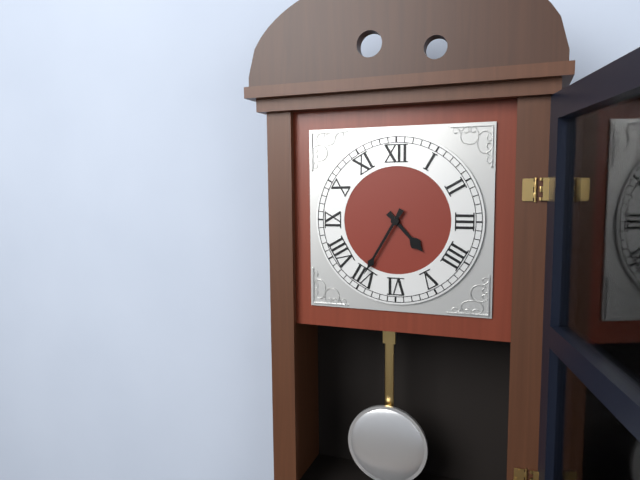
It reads 4.35
